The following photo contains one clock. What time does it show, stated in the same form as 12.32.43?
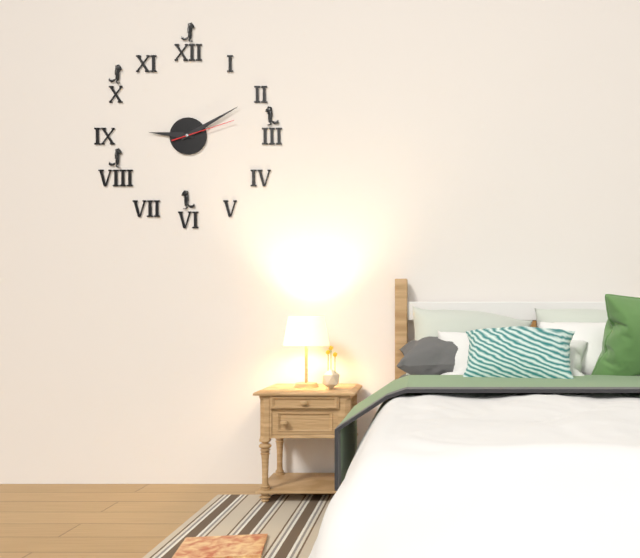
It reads 9.10.12
